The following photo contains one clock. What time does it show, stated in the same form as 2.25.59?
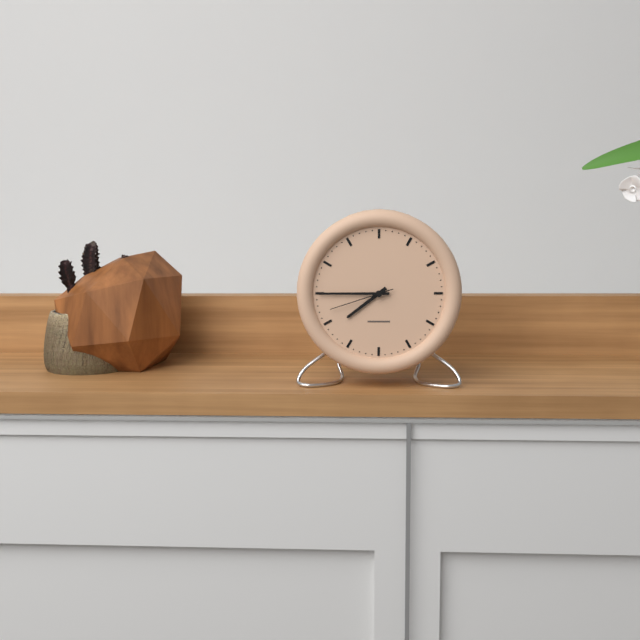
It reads 7.45.42
